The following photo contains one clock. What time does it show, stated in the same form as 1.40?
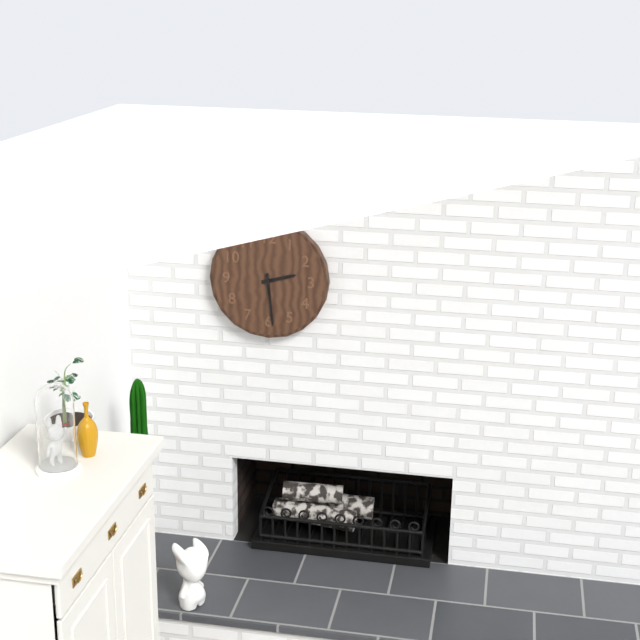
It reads 2.29
